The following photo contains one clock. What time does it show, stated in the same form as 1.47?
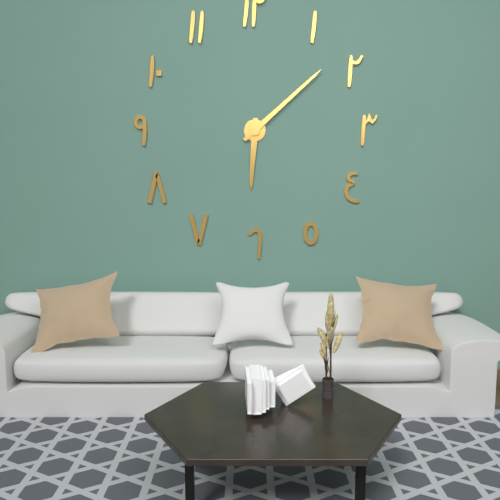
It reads 6.08
